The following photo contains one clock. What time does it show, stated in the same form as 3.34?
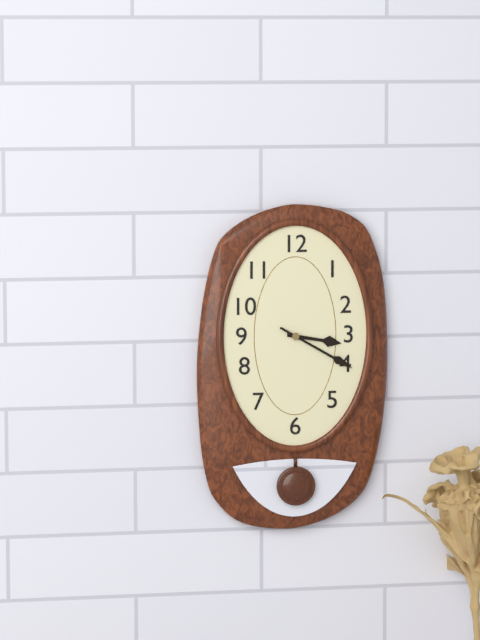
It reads 3.20
